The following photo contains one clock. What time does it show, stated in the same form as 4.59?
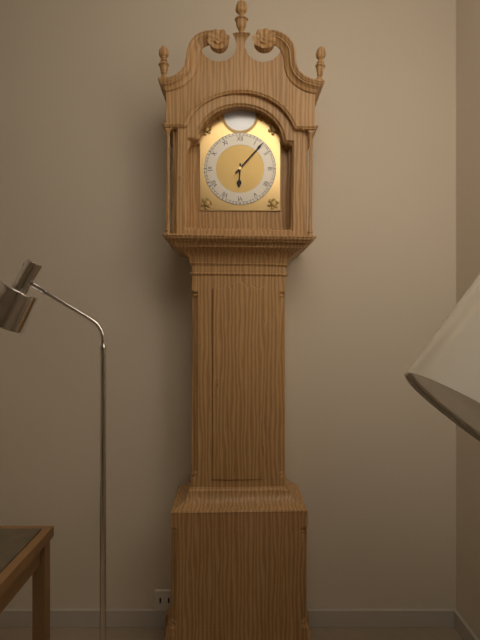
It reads 6.07
